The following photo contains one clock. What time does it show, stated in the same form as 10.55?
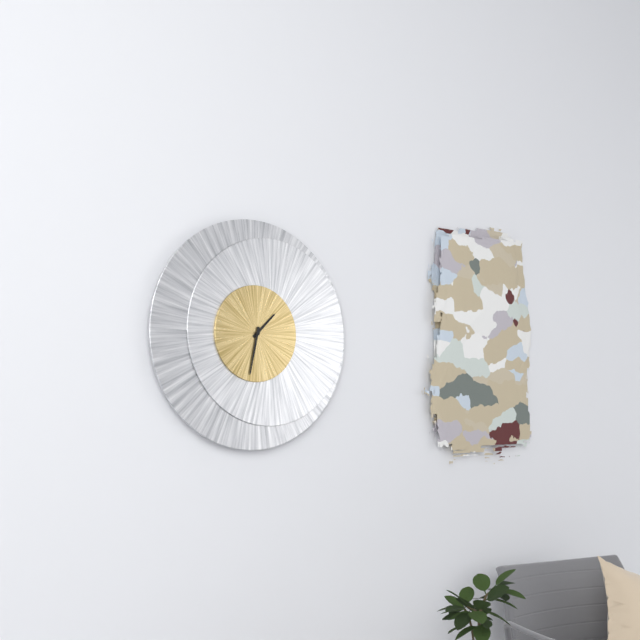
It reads 1.32
